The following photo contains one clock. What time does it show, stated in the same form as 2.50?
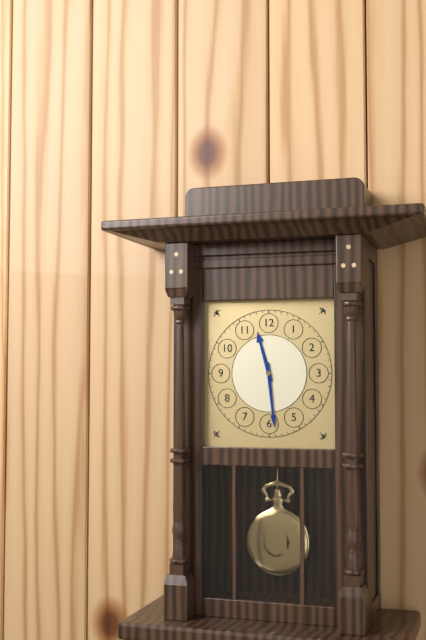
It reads 11.29
